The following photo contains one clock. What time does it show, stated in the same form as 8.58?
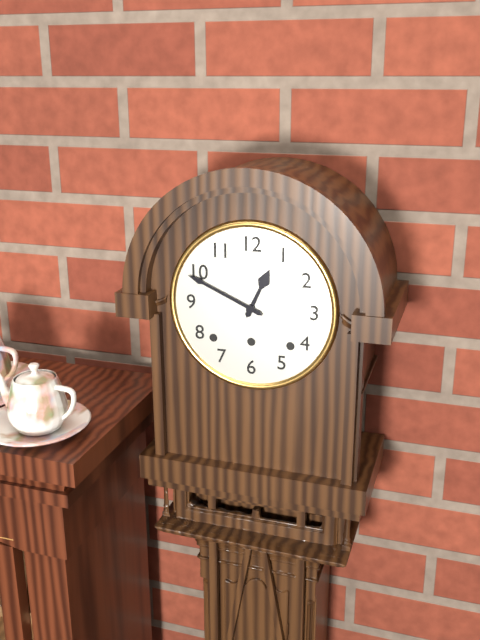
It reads 12.49
